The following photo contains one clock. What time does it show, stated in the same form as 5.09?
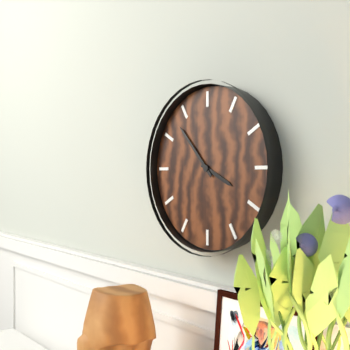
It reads 3.53
